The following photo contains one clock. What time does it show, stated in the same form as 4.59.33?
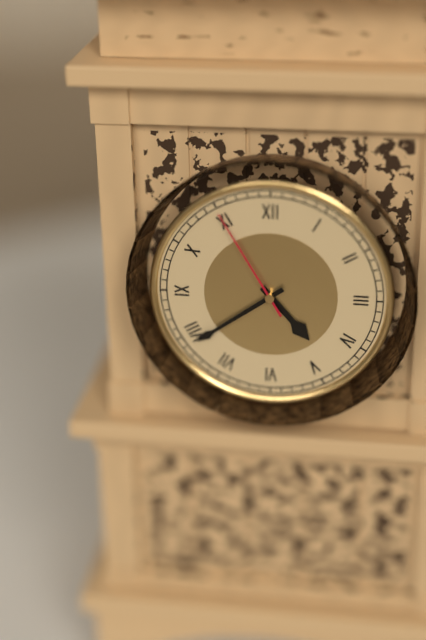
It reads 4.39.55
